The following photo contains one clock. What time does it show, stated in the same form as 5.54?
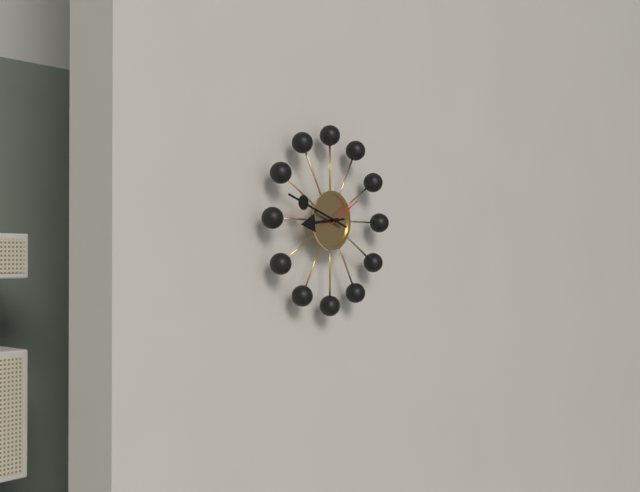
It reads 8.48
